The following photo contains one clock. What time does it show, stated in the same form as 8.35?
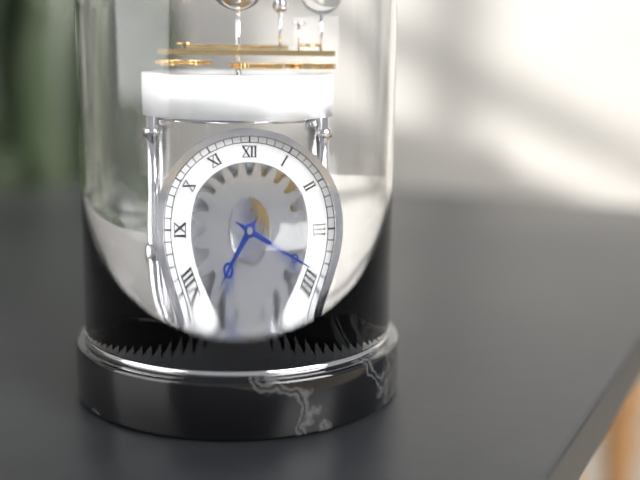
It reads 7.19
